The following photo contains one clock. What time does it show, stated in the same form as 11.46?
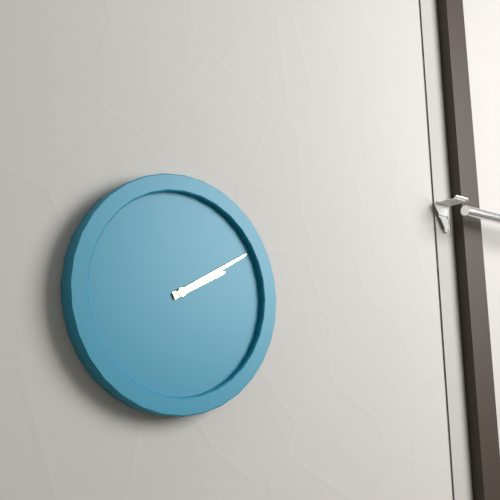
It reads 2.10
